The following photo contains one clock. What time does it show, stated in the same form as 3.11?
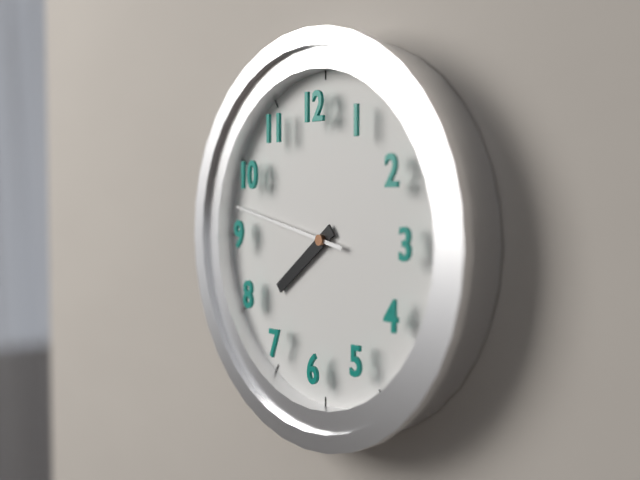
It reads 7.47
